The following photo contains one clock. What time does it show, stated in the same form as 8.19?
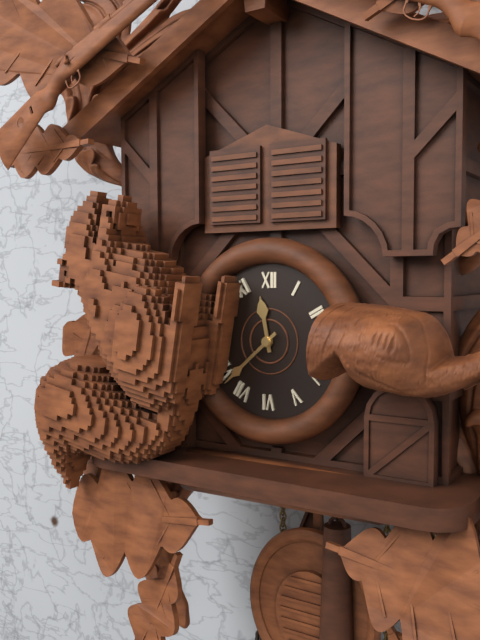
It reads 11.38
